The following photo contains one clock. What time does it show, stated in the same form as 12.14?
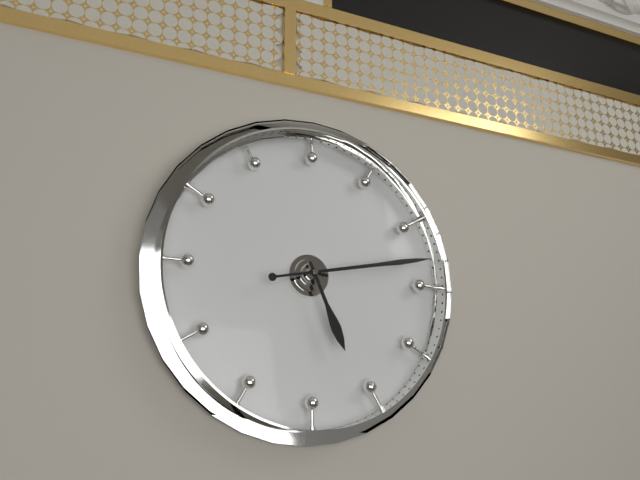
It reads 5.13
